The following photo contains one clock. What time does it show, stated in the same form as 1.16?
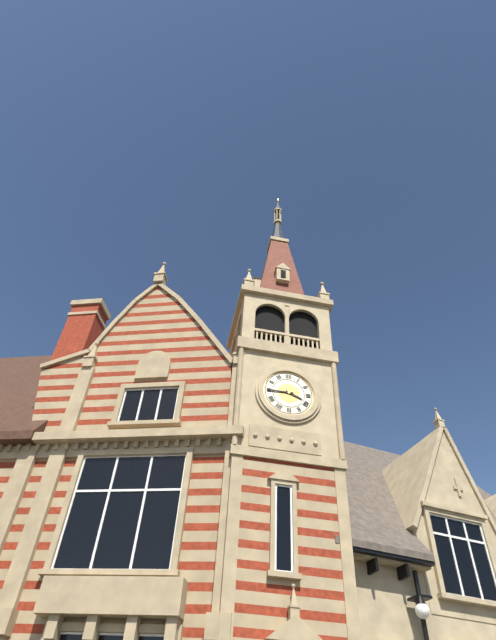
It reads 3.45
